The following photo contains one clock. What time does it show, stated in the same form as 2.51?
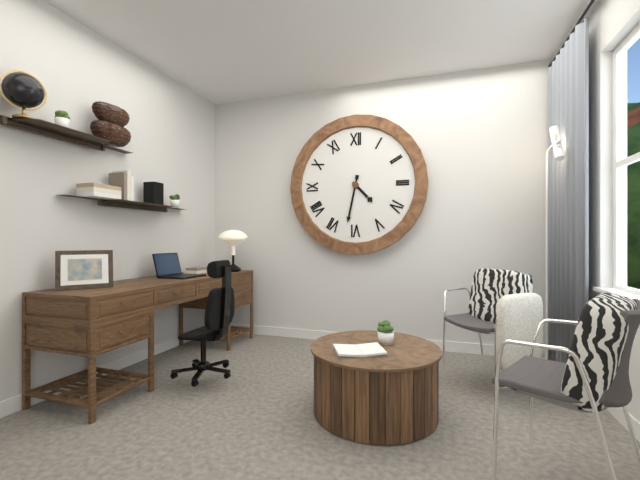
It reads 4.32
